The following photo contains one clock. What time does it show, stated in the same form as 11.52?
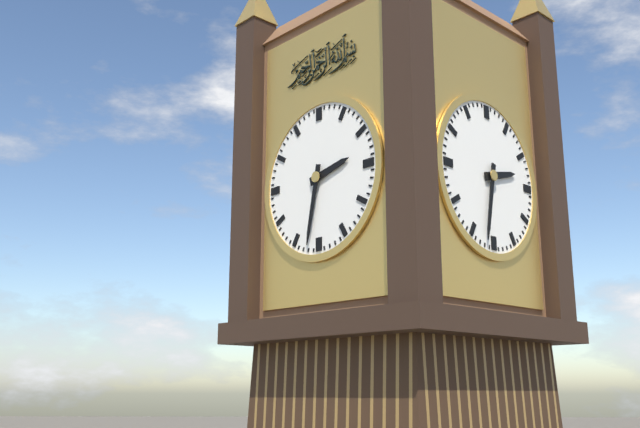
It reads 2.32
